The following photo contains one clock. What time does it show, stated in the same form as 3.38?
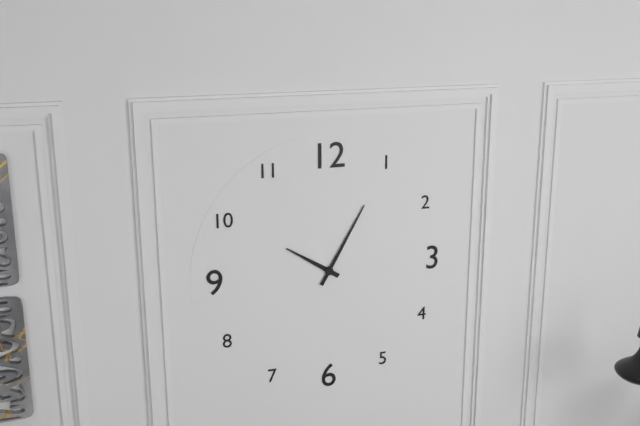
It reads 10.05
